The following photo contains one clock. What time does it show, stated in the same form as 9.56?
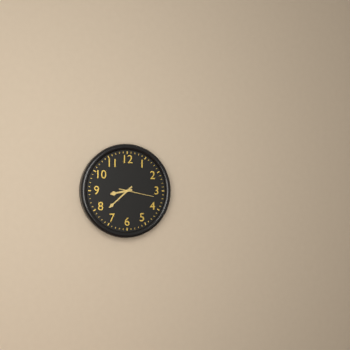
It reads 8.38
